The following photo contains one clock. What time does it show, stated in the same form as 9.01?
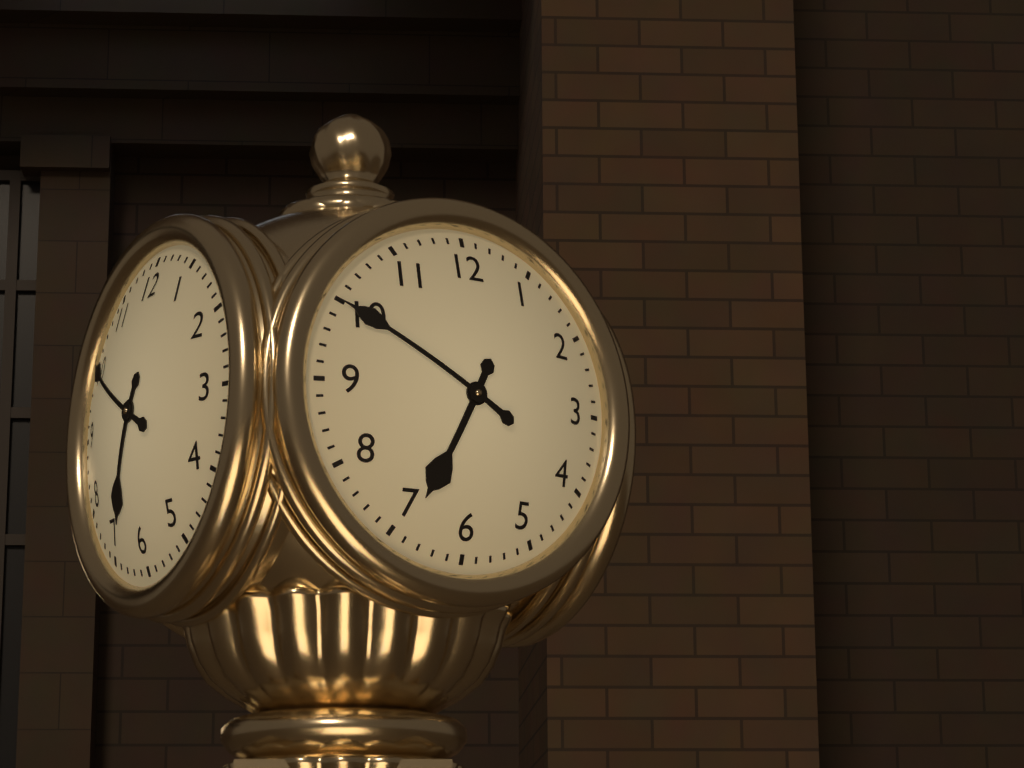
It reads 6.50
